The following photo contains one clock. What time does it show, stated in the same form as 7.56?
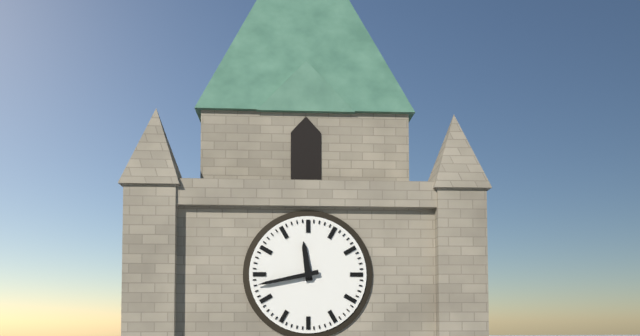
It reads 11.43
